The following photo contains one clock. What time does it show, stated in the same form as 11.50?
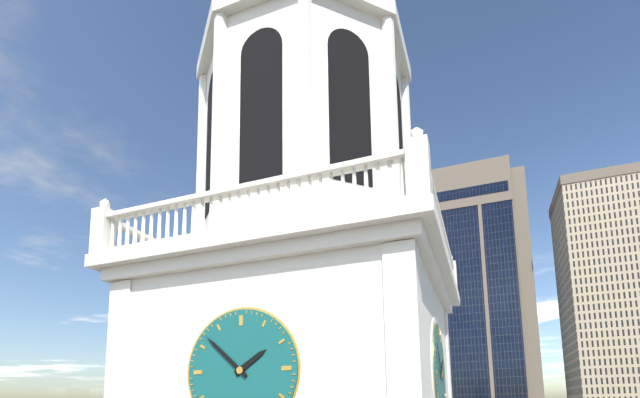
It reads 1.52
